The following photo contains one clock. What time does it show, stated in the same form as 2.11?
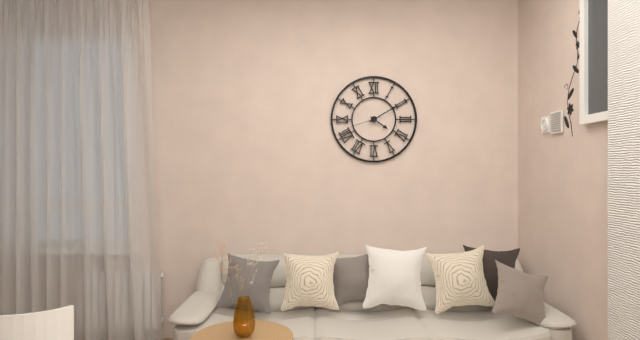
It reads 4.10
